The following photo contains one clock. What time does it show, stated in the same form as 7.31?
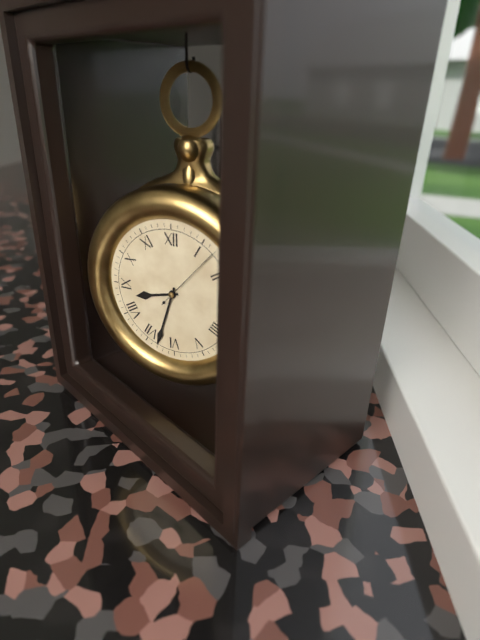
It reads 8.33
